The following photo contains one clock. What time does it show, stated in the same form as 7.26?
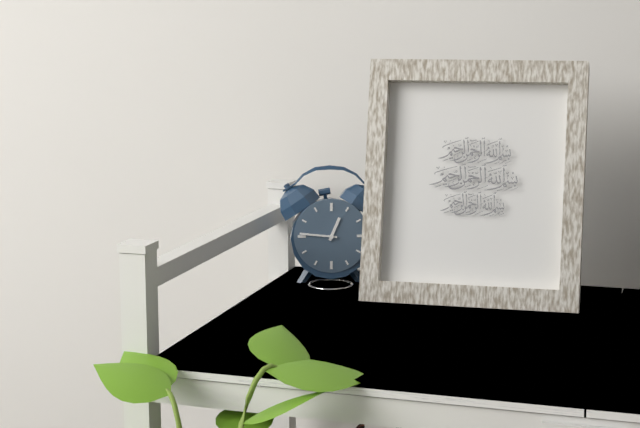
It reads 12.46
